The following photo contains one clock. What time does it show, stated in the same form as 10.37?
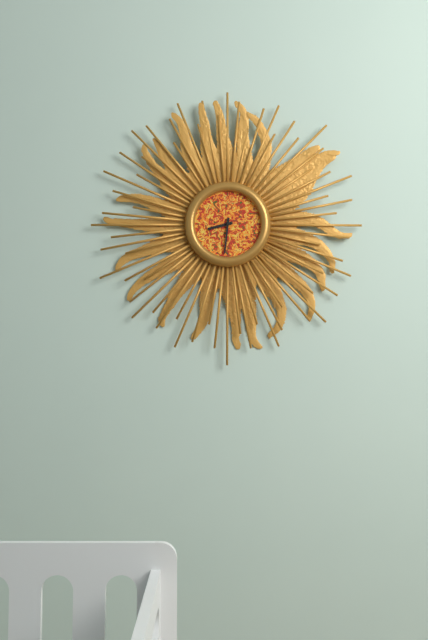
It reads 8.31
